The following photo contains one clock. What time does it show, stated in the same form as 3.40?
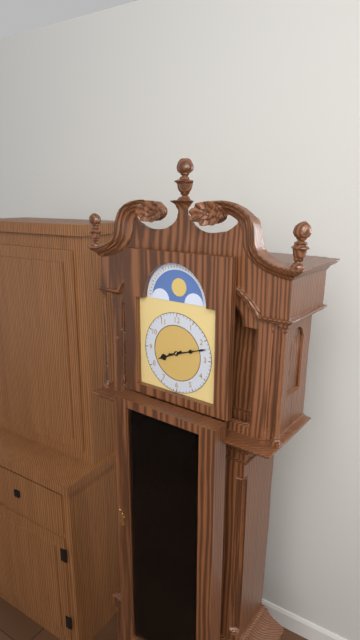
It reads 8.12
